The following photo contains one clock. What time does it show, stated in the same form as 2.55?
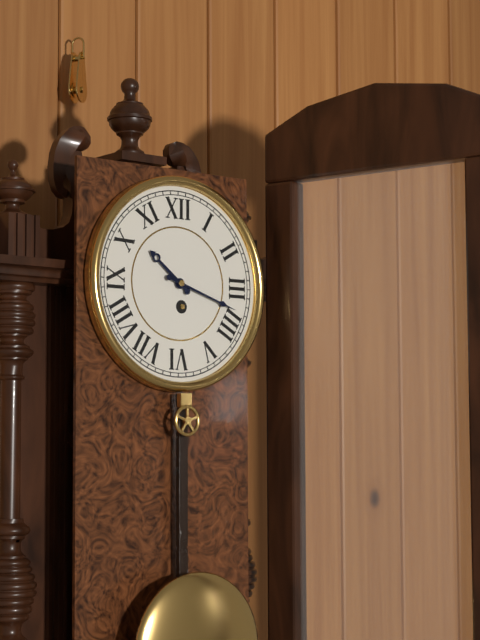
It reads 10.18
